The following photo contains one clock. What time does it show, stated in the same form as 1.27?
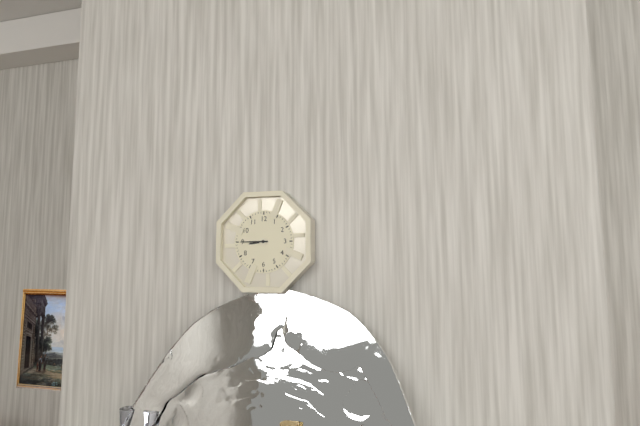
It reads 8.45
